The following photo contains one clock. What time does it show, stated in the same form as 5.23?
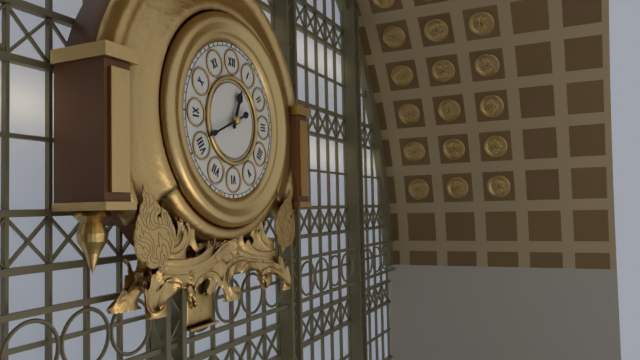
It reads 12.41
